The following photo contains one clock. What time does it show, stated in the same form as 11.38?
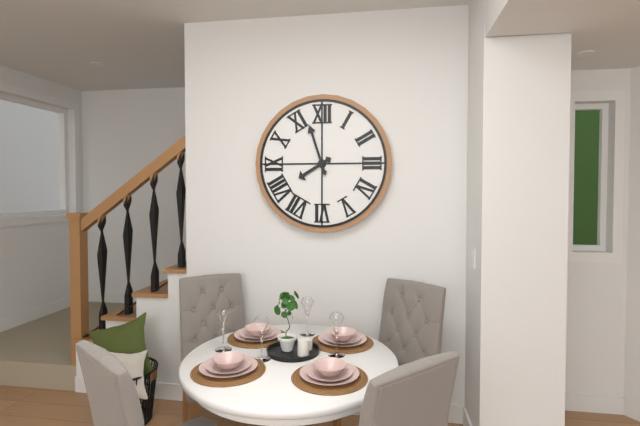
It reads 7.57
